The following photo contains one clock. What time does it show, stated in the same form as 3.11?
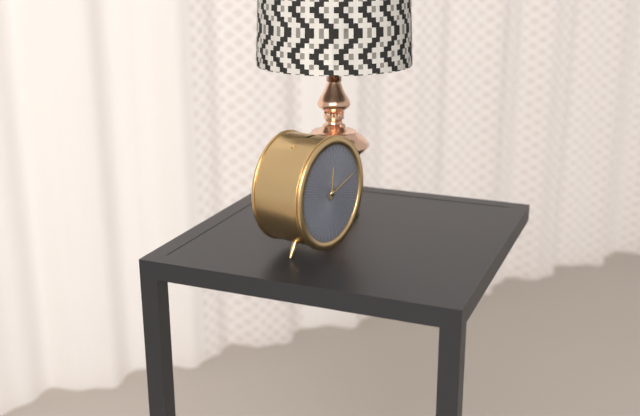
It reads 12.12
